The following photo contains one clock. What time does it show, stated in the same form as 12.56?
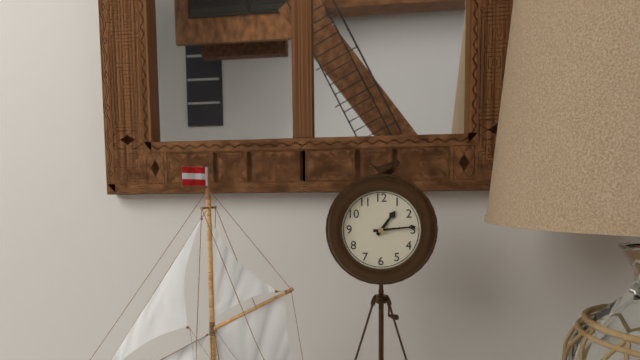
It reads 1.14
